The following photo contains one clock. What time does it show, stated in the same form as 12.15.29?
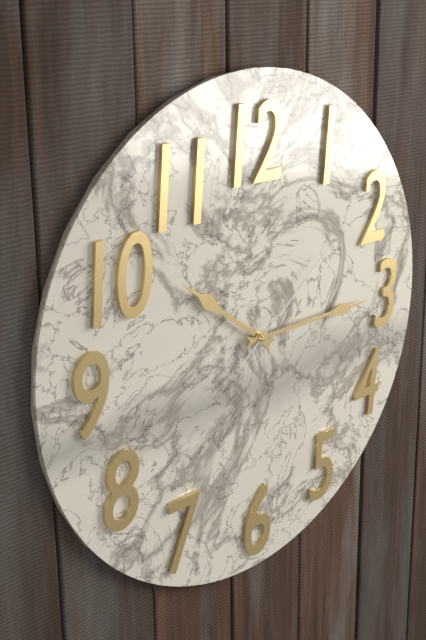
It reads 10.15.09
